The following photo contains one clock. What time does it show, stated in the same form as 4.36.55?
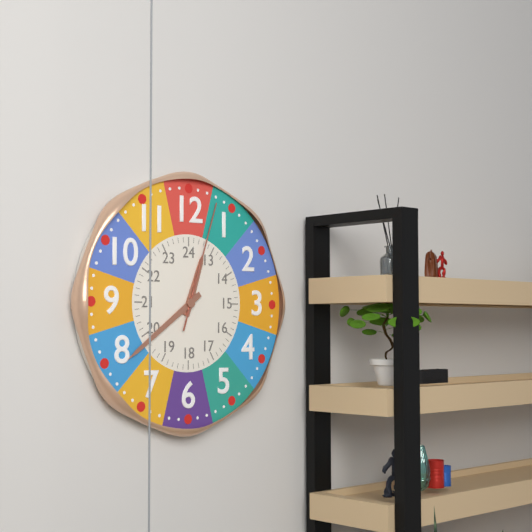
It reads 12.39.03
